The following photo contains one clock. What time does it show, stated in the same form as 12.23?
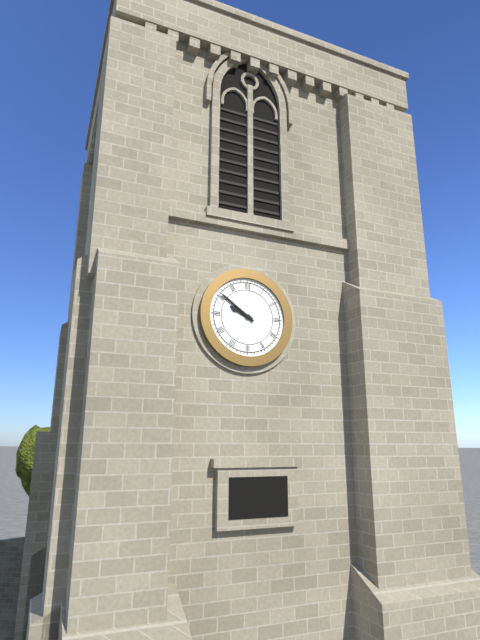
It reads 9.51
